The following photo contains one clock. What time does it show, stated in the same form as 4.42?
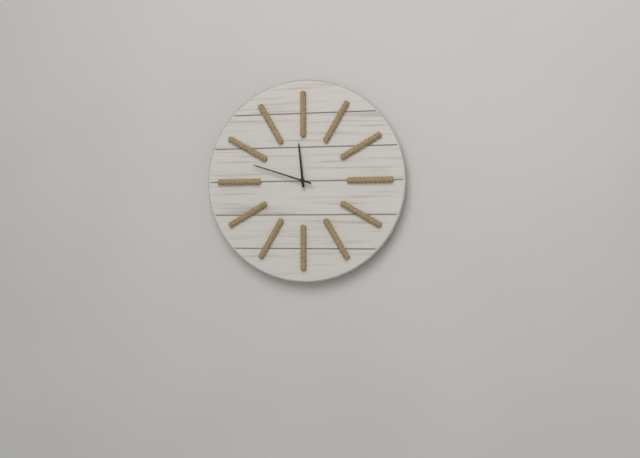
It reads 11.48
